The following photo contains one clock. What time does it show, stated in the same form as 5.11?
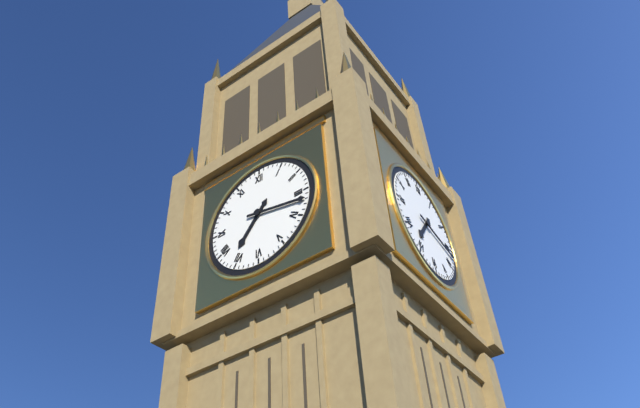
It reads 7.17
